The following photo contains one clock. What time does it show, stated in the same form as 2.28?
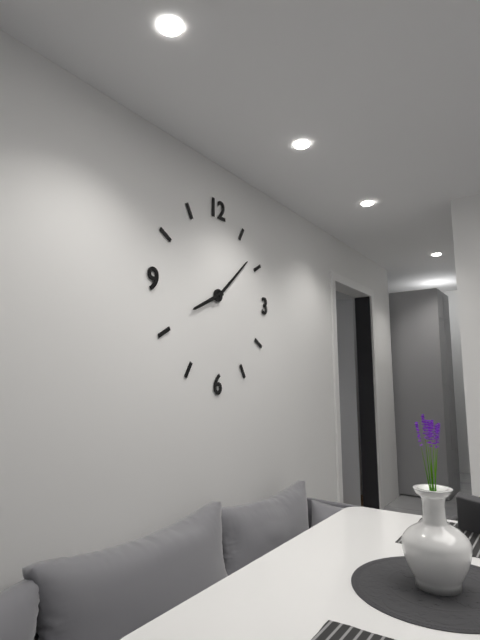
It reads 8.08
